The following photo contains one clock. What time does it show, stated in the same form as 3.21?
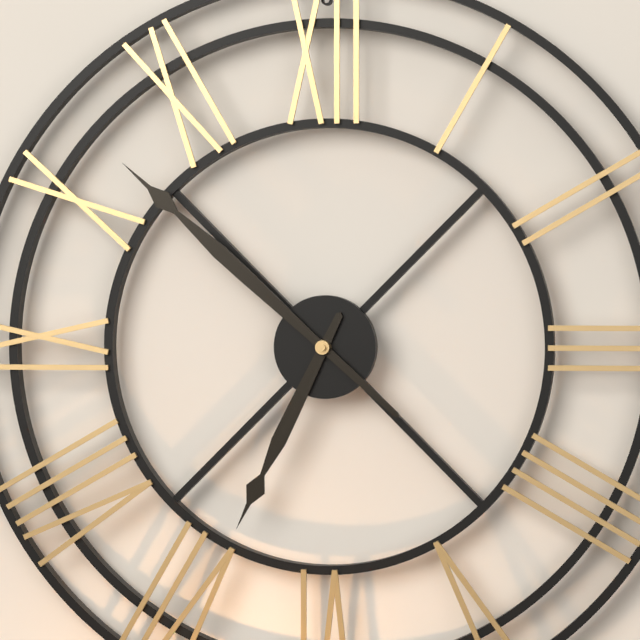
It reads 6.52
